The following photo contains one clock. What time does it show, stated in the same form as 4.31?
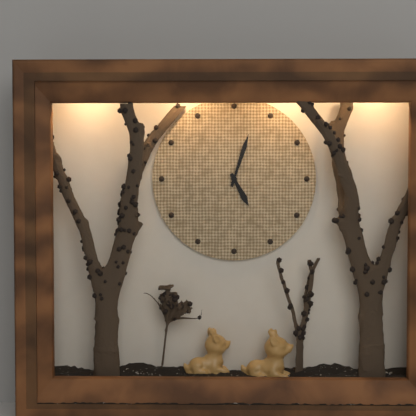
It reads 5.03
